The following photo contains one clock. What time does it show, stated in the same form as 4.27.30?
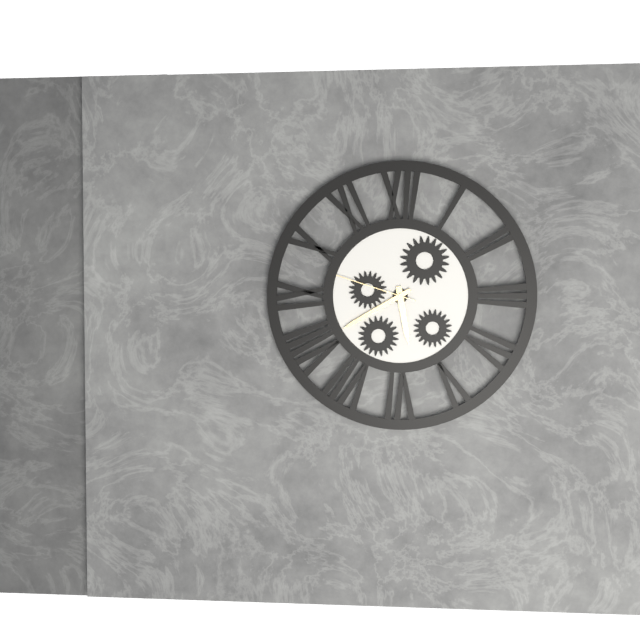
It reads 5.40.48
